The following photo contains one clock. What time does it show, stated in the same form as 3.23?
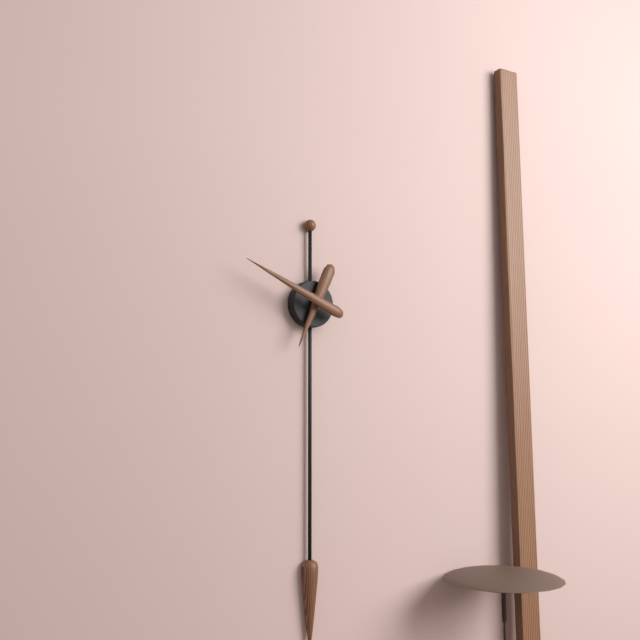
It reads 6.49
